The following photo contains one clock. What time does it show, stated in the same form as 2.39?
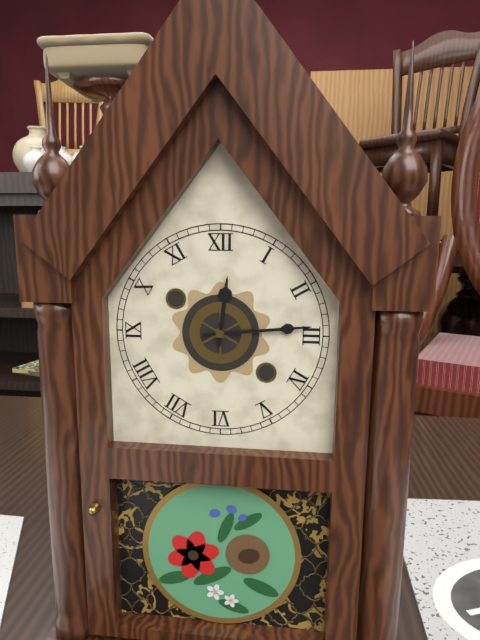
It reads 12.14
